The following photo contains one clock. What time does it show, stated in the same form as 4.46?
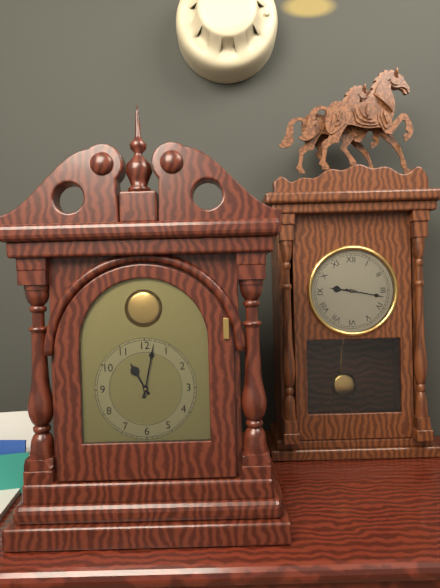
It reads 11.02
